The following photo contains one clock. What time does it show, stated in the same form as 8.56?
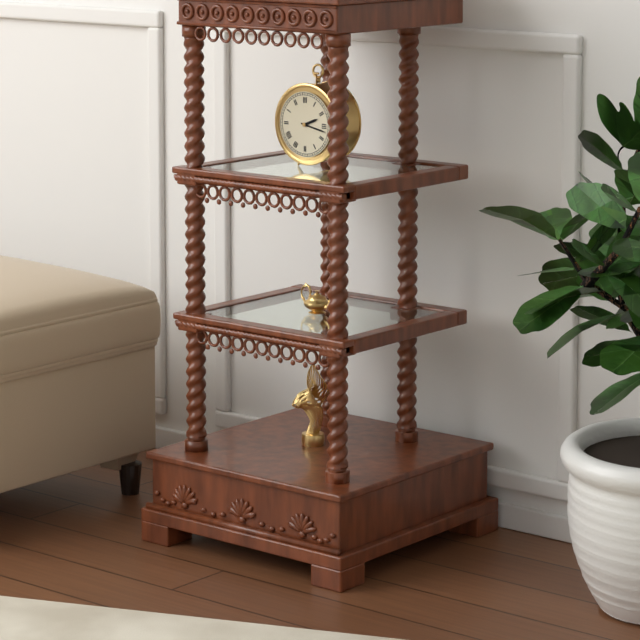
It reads 2.17
